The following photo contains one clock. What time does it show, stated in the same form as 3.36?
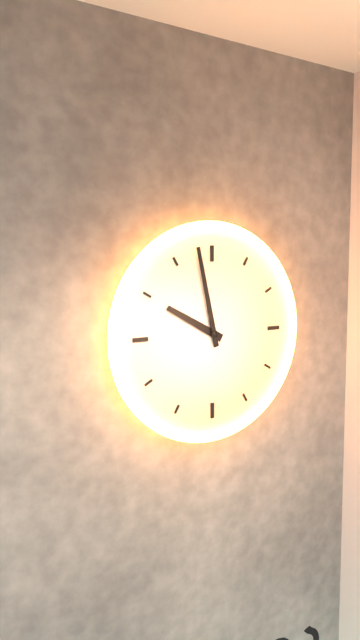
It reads 9.58
